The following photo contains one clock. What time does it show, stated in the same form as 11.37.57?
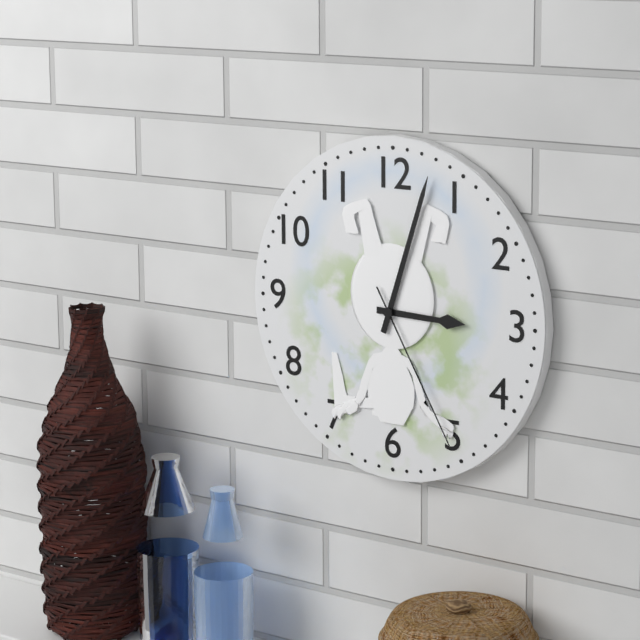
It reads 3.03.25
